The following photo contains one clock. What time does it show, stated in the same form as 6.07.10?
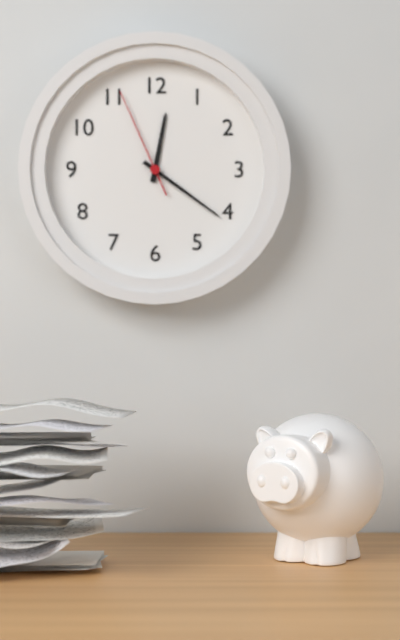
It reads 12.21.56
